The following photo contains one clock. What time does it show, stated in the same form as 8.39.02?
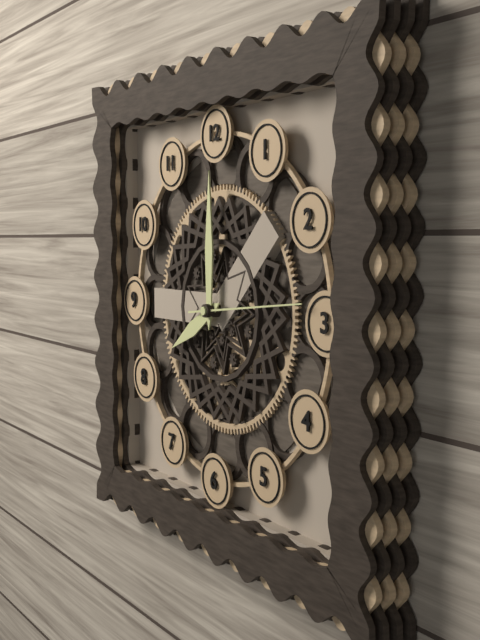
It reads 8.00.14
